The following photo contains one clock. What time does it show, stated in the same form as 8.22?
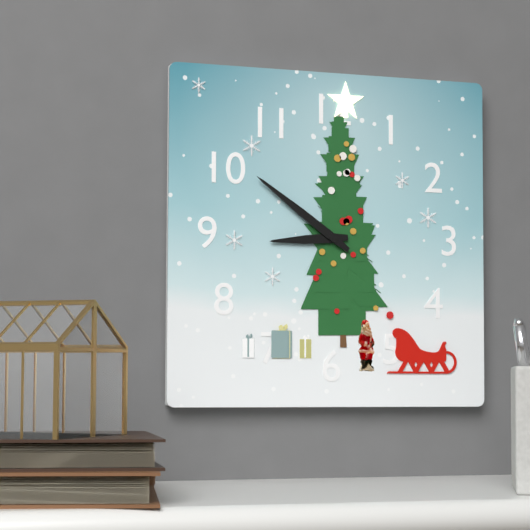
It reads 8.51
